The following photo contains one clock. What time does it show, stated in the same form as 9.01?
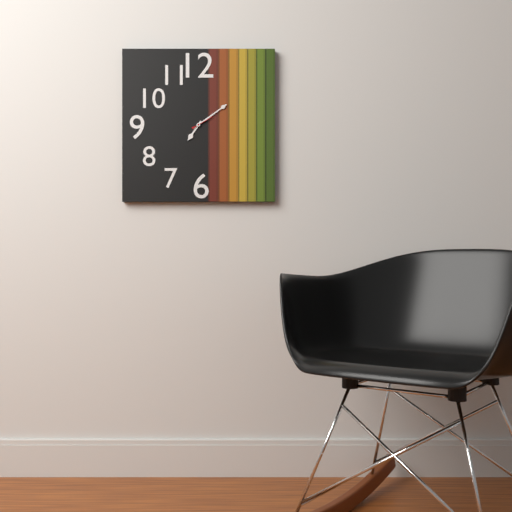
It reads 7.09
